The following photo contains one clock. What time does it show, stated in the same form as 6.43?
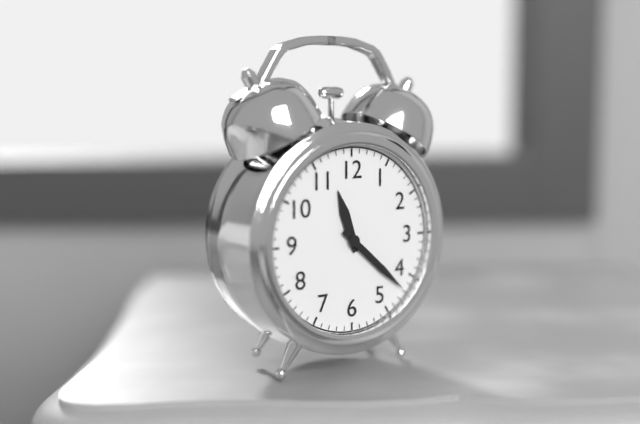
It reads 11.22
